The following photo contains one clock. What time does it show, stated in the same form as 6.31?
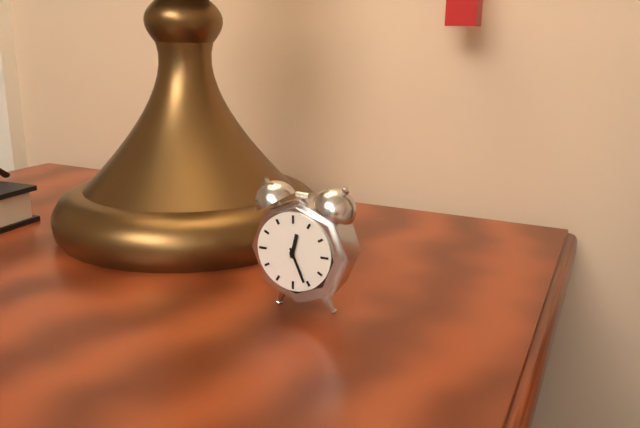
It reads 12.26
